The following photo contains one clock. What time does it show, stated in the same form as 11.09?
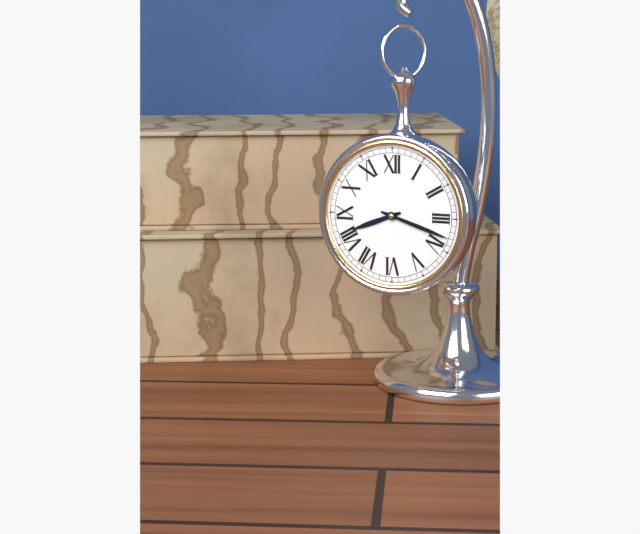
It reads 8.18
